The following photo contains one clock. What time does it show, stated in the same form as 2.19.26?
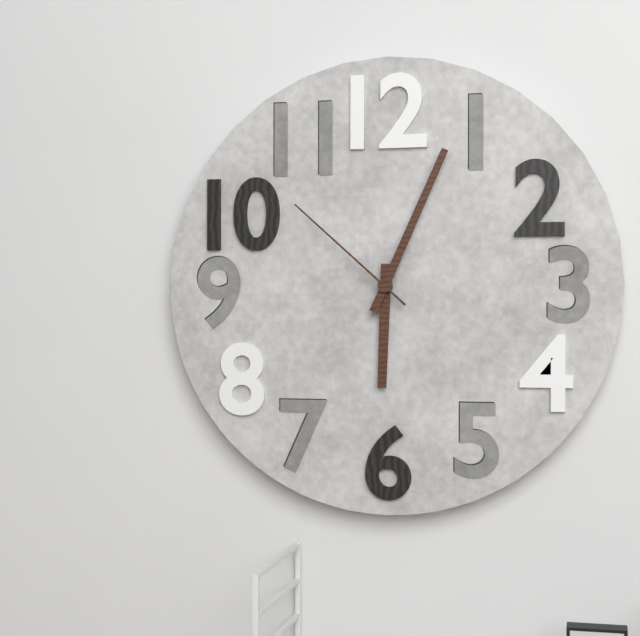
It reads 6.04.52
